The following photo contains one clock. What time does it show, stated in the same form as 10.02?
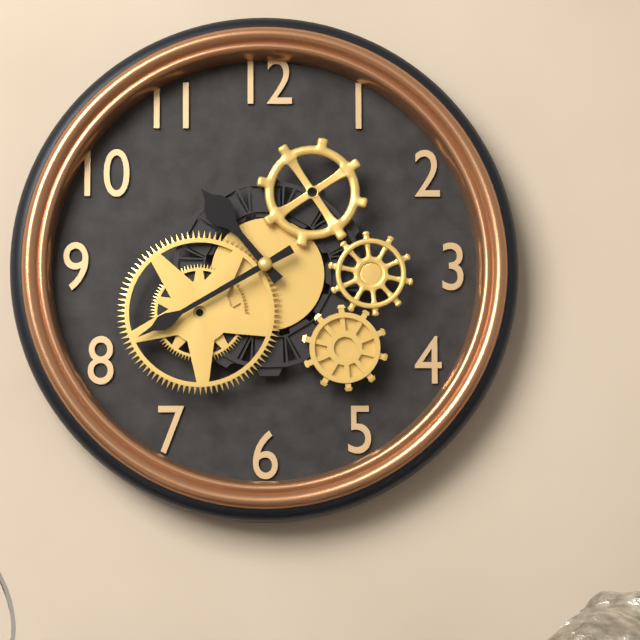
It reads 10.40
